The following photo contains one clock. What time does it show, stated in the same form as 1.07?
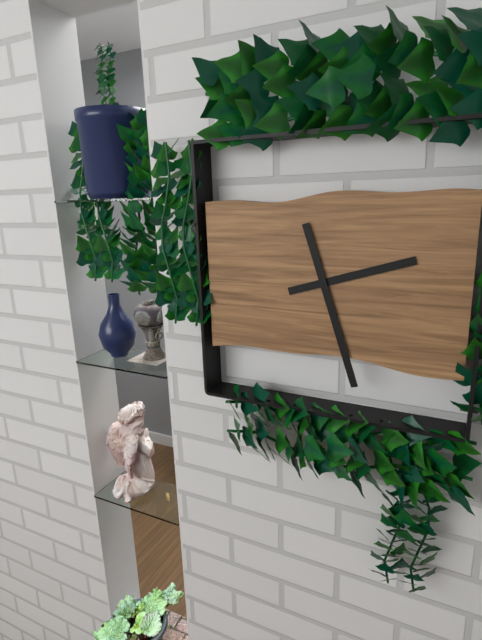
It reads 2.27
